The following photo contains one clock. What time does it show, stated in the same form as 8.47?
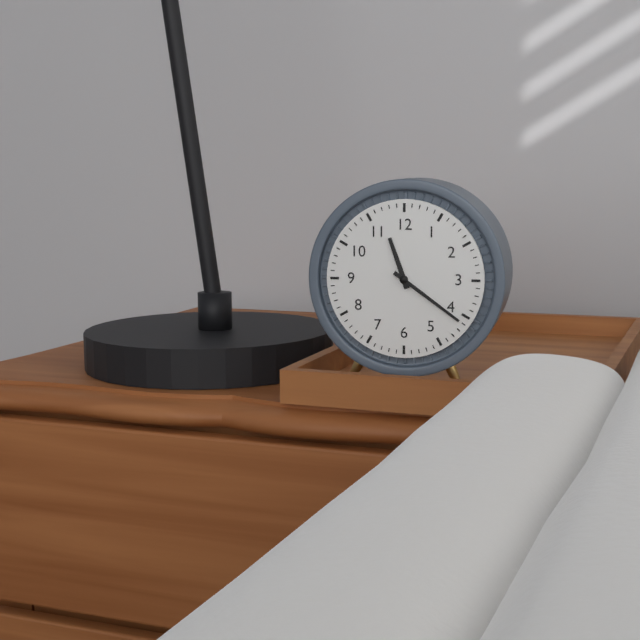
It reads 11.21
